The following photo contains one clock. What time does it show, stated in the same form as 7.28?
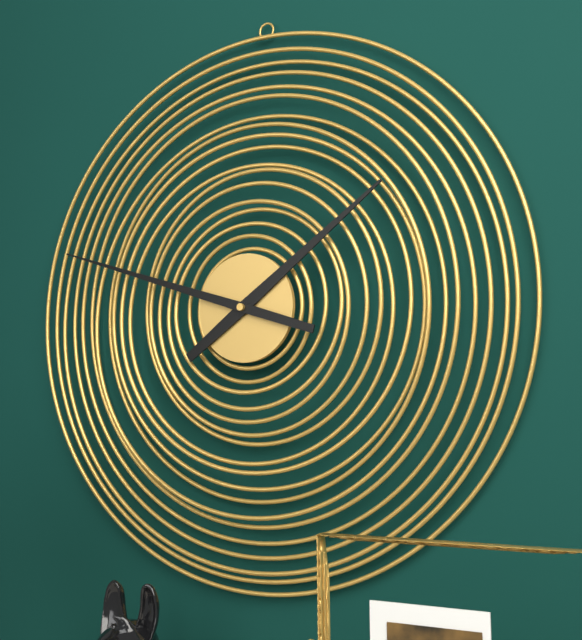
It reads 1.48
